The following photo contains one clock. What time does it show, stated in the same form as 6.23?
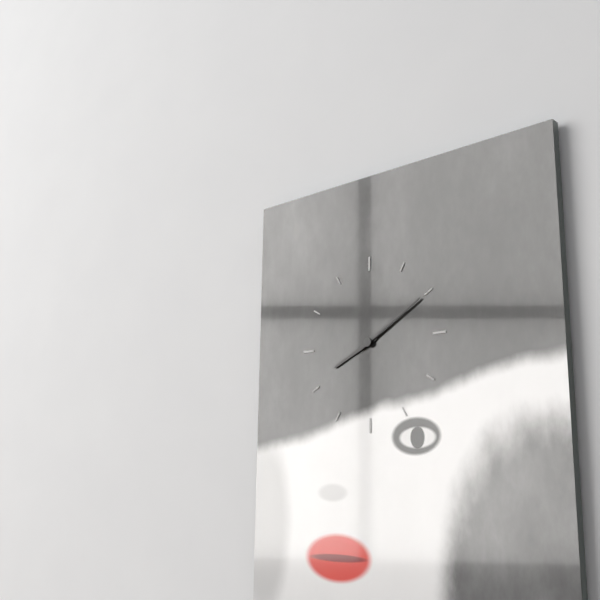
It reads 8.10
